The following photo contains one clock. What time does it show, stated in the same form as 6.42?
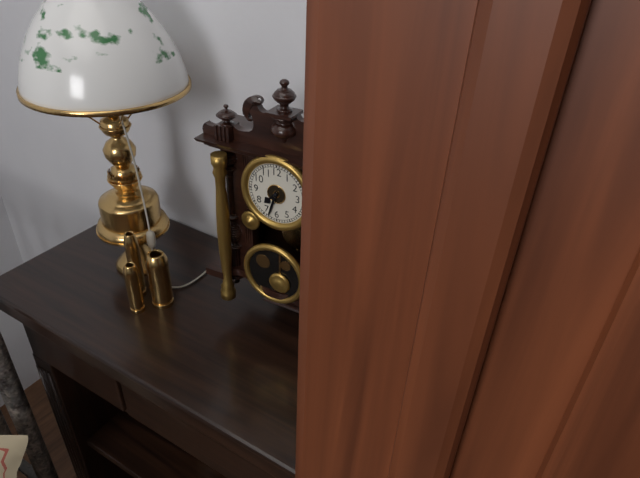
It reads 7.33
